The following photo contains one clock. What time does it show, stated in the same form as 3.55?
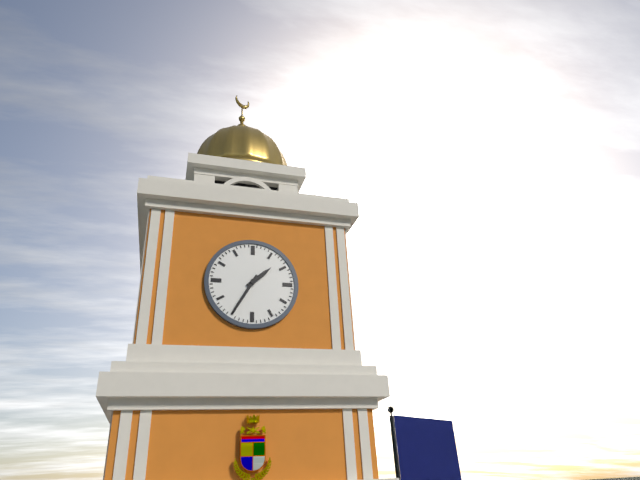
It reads 1.35
